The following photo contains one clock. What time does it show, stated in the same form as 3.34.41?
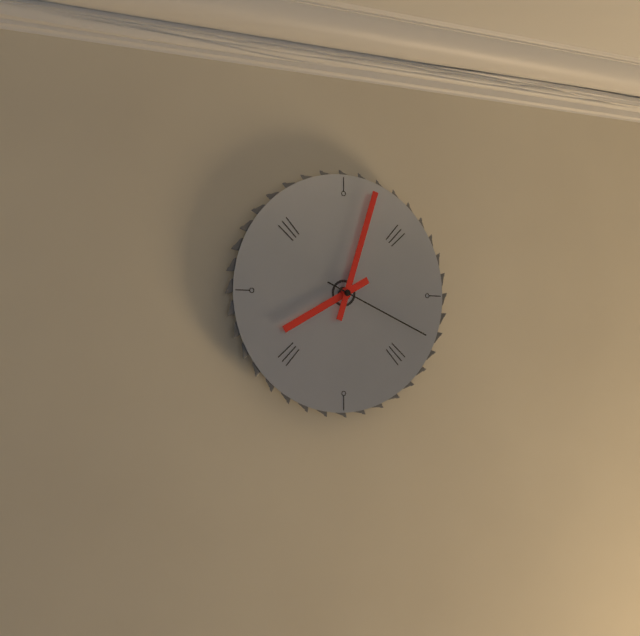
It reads 8.03.19
